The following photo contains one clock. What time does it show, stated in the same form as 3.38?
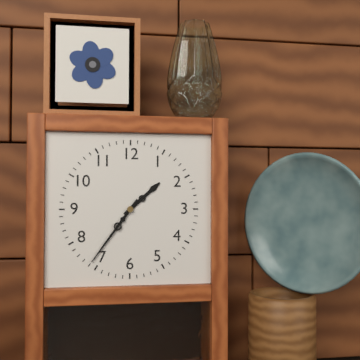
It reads 1.36
